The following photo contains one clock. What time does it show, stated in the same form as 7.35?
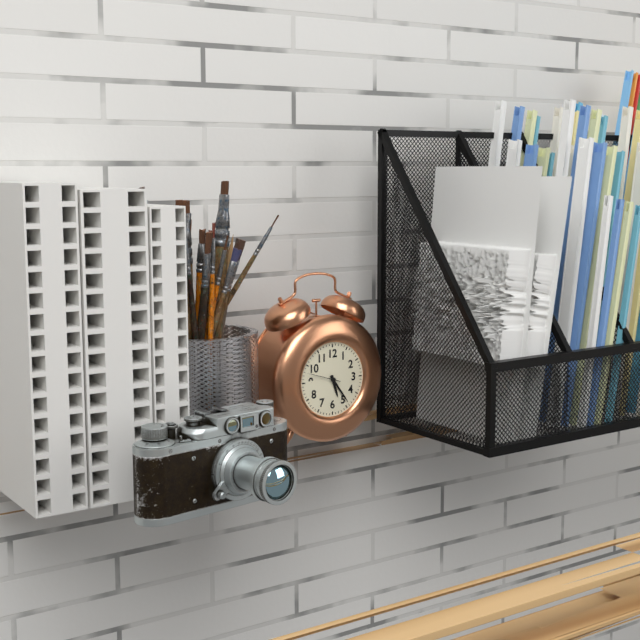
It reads 5.24
